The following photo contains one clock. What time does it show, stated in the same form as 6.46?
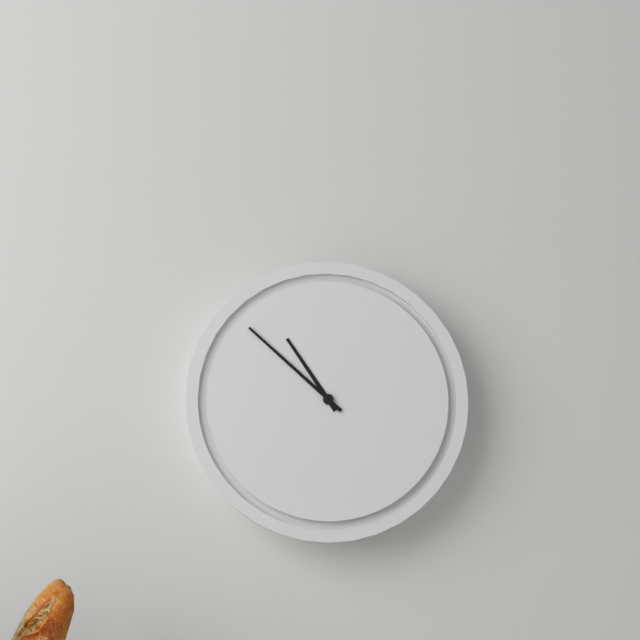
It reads 10.52
